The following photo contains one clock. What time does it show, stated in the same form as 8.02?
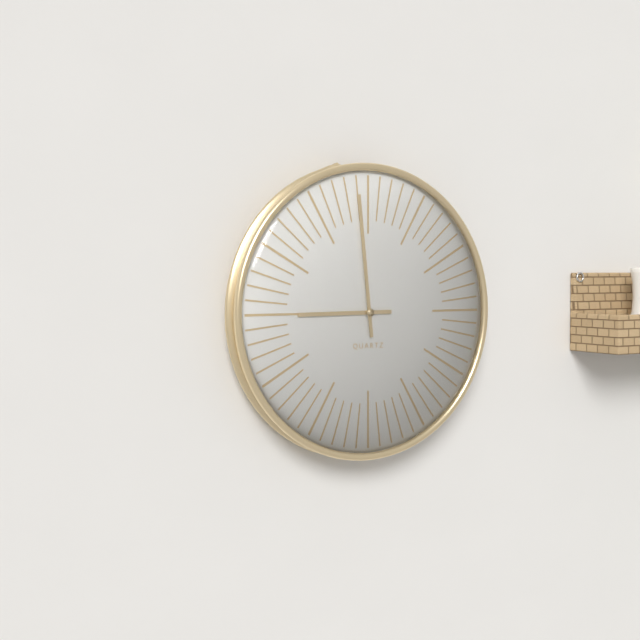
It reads 8.59
